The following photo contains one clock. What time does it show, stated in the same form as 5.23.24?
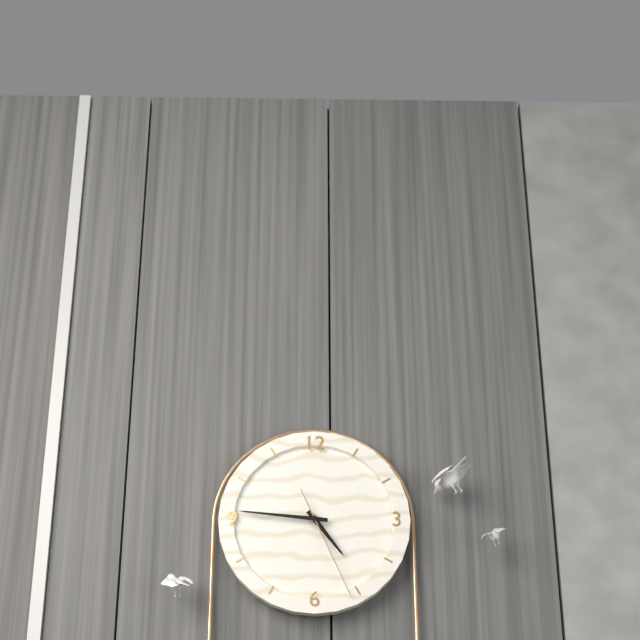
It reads 4.46.26
